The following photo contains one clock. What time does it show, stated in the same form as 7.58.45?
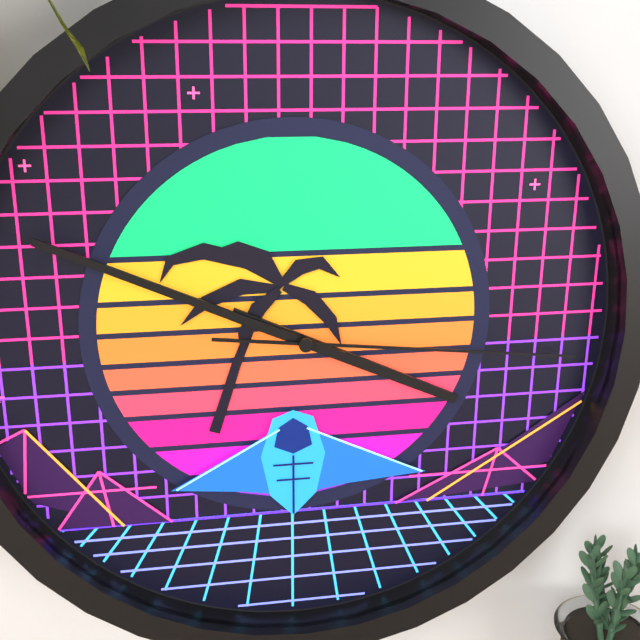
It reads 3.49.16
